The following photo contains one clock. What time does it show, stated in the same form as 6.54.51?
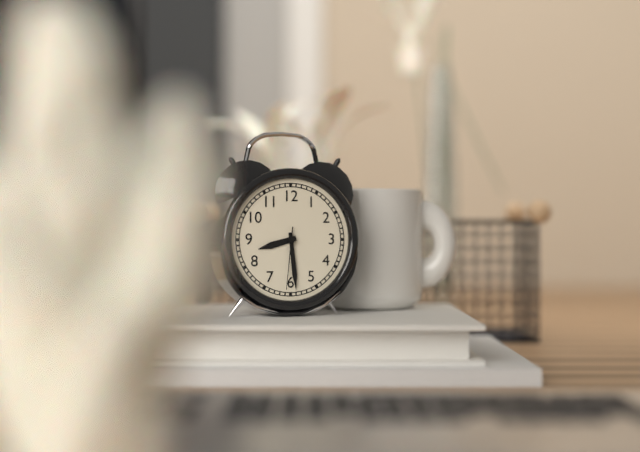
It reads 8.29.31
